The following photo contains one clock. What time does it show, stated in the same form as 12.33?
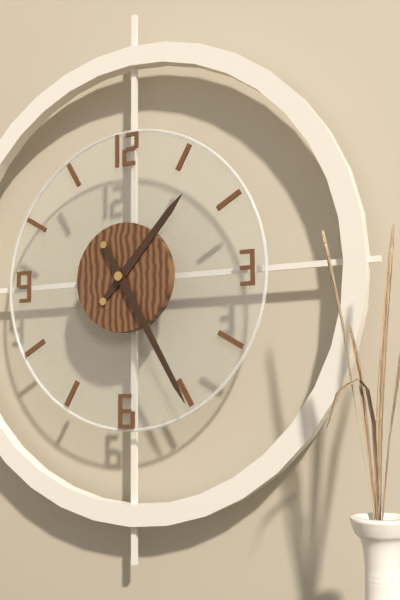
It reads 1.25
